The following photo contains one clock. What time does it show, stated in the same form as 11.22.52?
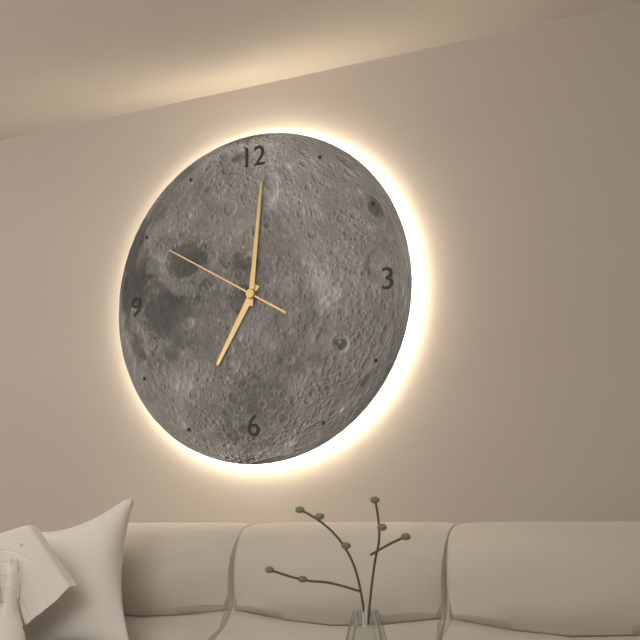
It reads 7.01.50
